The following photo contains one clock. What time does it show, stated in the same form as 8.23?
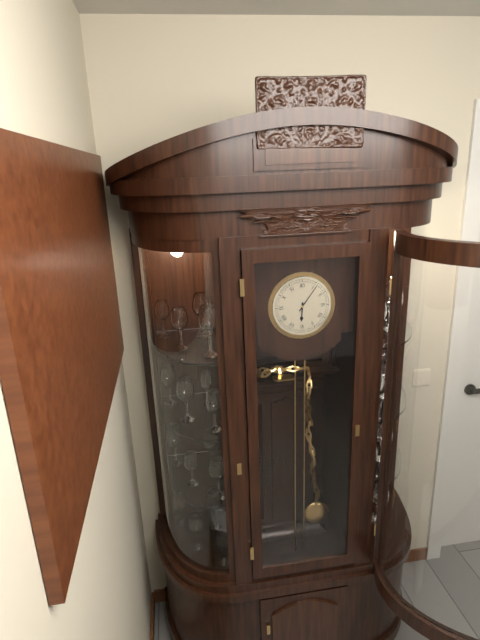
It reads 6.06
